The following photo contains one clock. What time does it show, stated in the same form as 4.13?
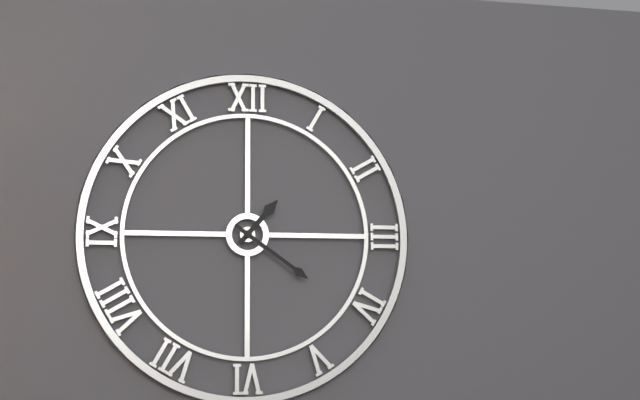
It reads 1.21
